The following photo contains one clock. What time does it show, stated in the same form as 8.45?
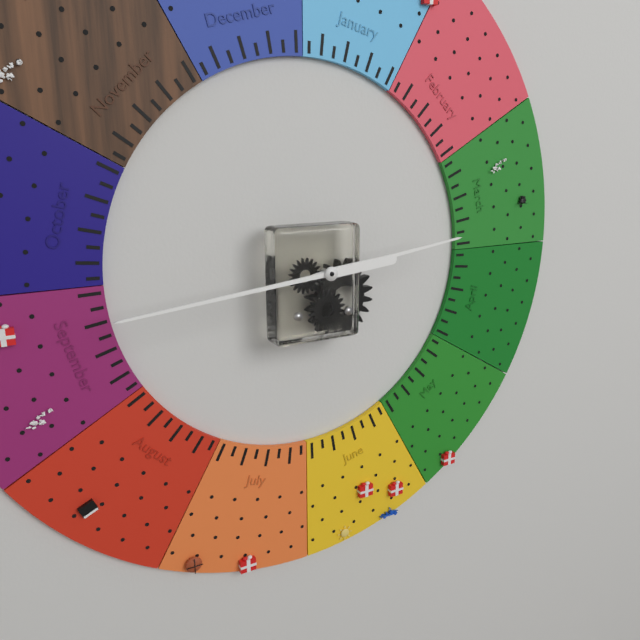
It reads 2.44
